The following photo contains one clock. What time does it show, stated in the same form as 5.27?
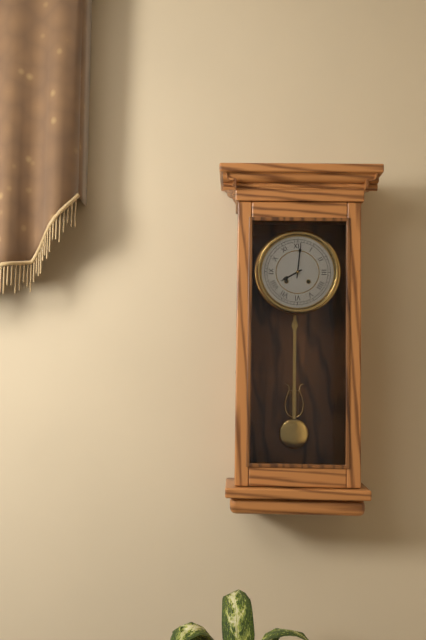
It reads 8.01
